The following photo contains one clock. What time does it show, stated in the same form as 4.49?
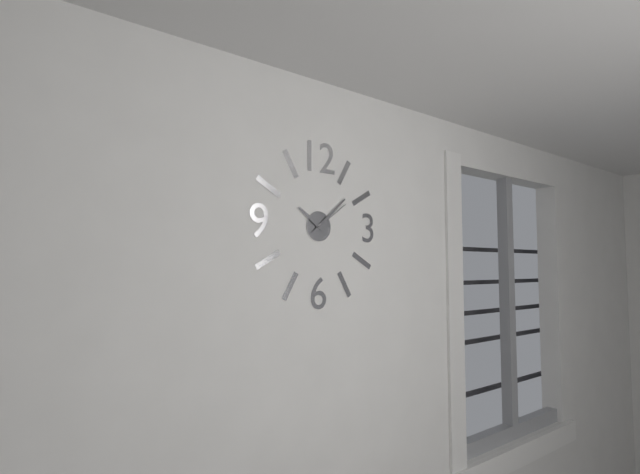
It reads 10.08
